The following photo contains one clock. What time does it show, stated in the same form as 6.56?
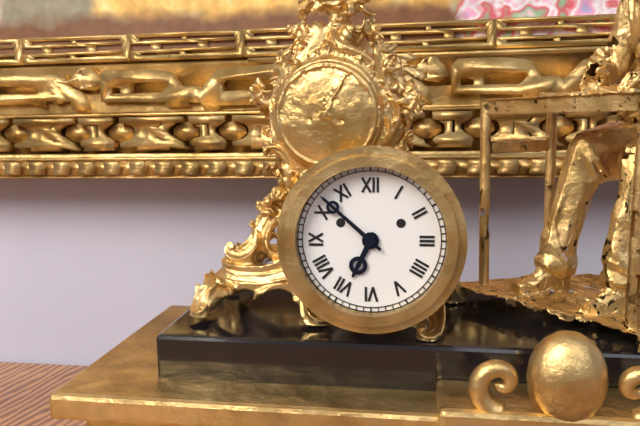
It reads 6.52
